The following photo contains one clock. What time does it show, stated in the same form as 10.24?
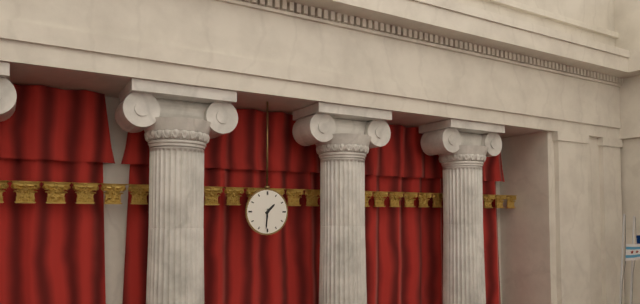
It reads 1.31
